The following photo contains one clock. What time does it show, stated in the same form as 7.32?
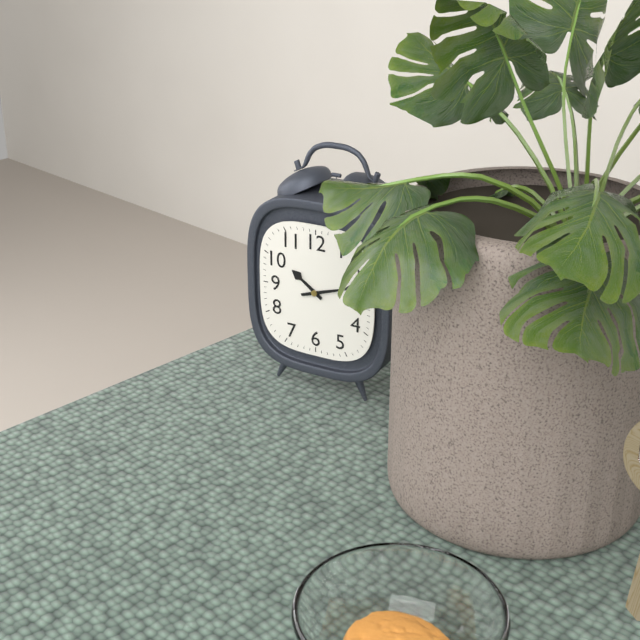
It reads 10.12
